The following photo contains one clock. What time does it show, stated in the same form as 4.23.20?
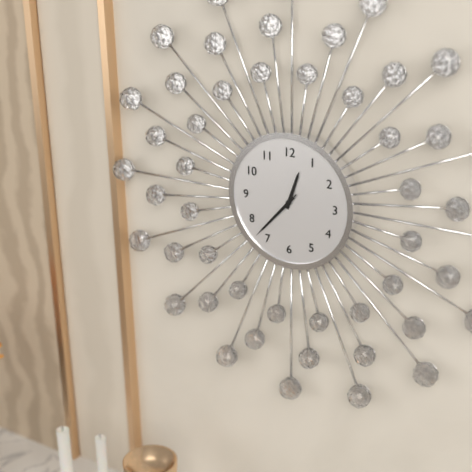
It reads 12.37.37
